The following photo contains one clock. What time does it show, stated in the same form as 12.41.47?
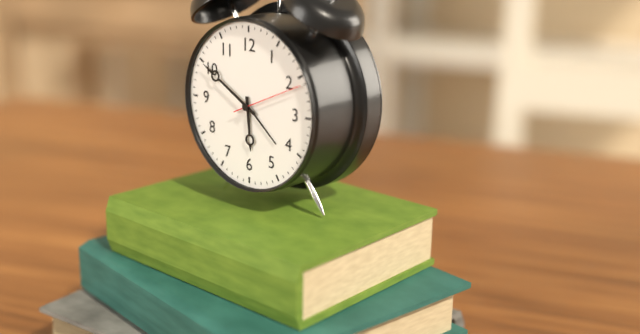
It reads 5.50.11
